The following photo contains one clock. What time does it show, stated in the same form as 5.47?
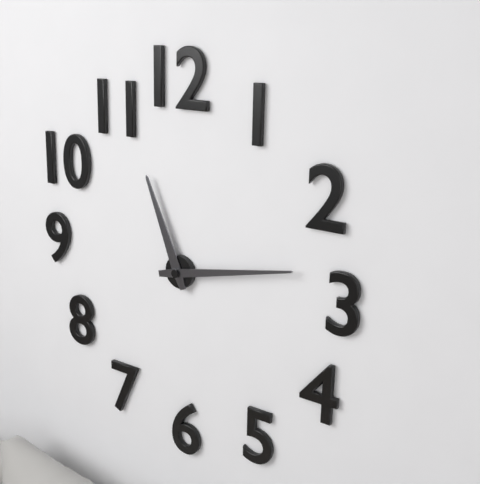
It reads 11.13
